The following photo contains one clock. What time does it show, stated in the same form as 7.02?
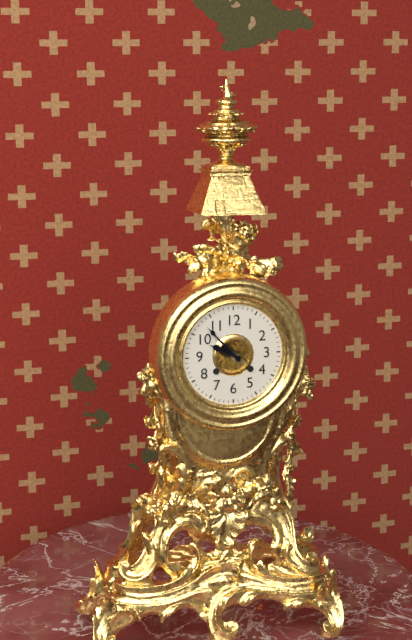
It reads 9.53
